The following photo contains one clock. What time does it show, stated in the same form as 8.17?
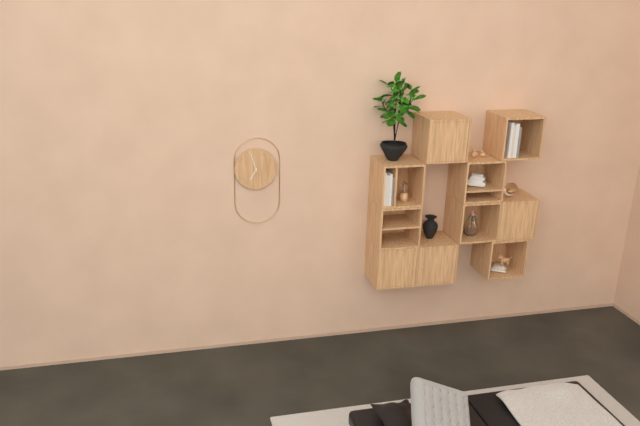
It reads 6.57
